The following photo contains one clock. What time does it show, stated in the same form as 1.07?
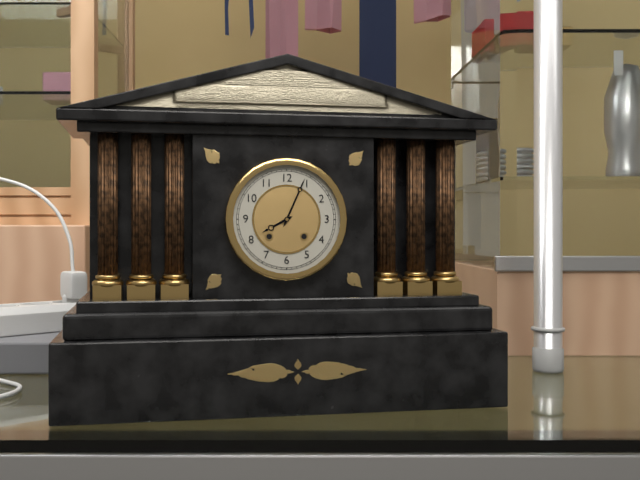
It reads 8.04
